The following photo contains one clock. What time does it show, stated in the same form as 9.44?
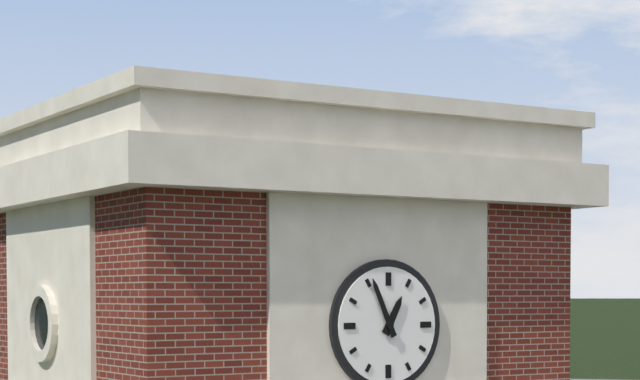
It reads 12.56
